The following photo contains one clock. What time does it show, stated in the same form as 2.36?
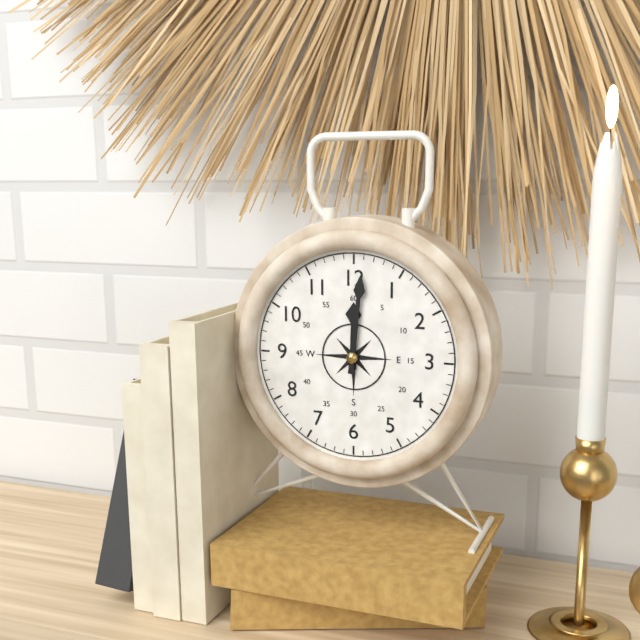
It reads 12.01
